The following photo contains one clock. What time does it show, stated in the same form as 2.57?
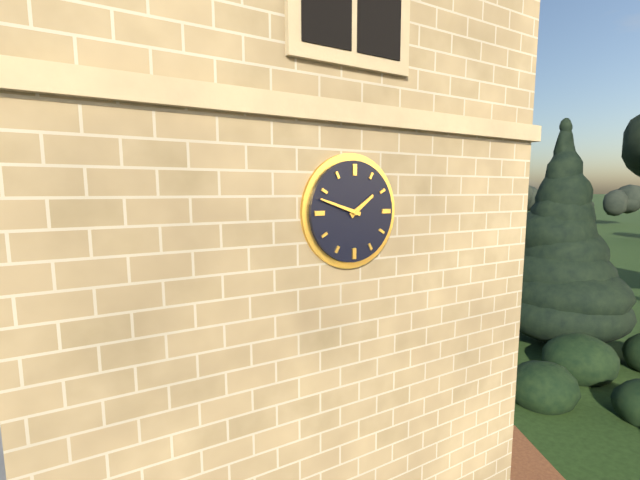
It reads 1.48
